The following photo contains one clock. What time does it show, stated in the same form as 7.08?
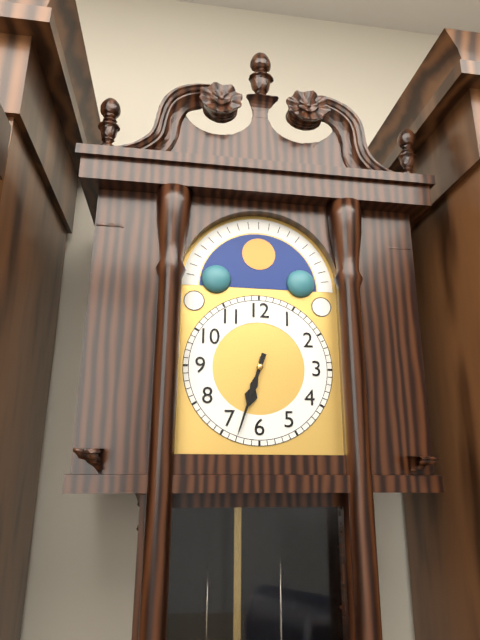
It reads 6.33
